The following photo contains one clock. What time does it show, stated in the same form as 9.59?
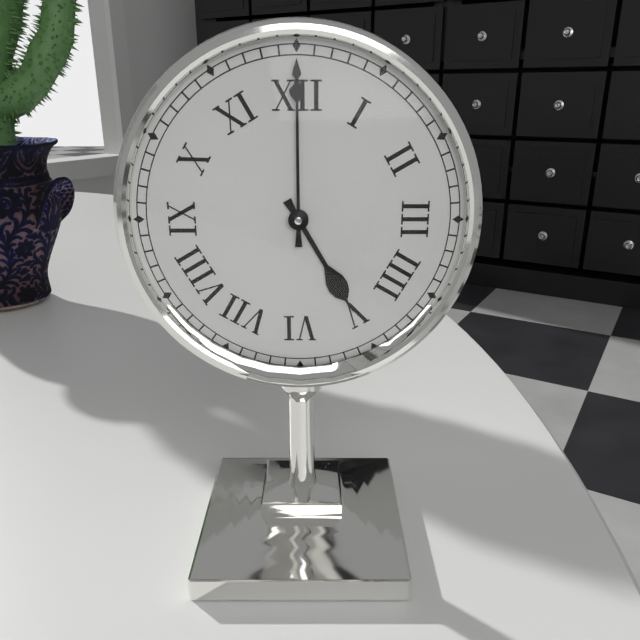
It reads 5.00
